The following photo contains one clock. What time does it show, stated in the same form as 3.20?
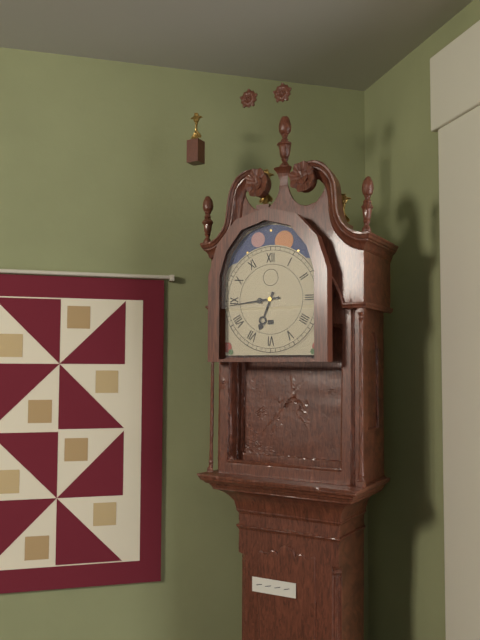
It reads 6.44
